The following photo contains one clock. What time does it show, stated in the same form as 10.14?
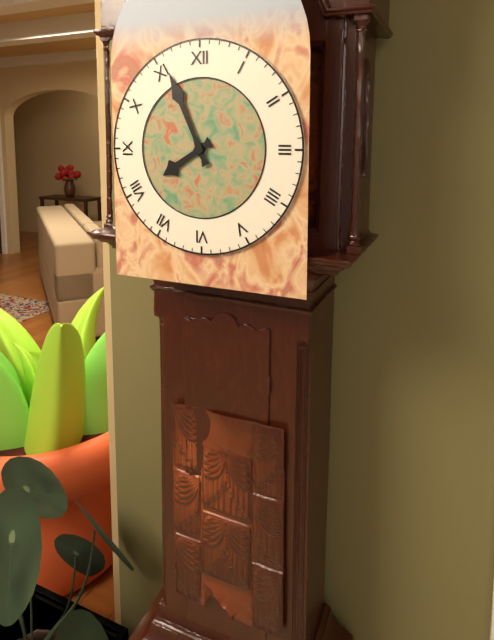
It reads 7.56
